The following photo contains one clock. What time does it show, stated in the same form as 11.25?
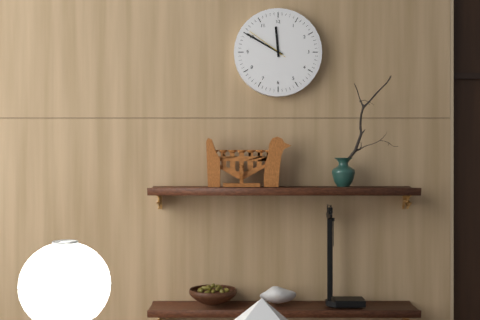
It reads 11.50
